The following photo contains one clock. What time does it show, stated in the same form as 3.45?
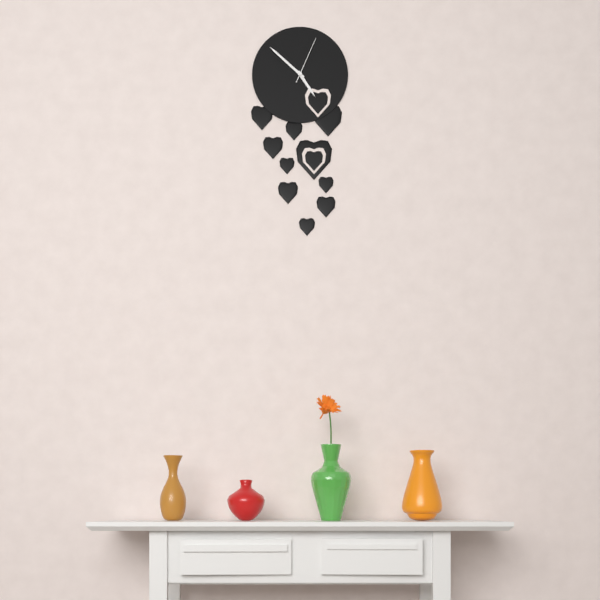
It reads 4.52
